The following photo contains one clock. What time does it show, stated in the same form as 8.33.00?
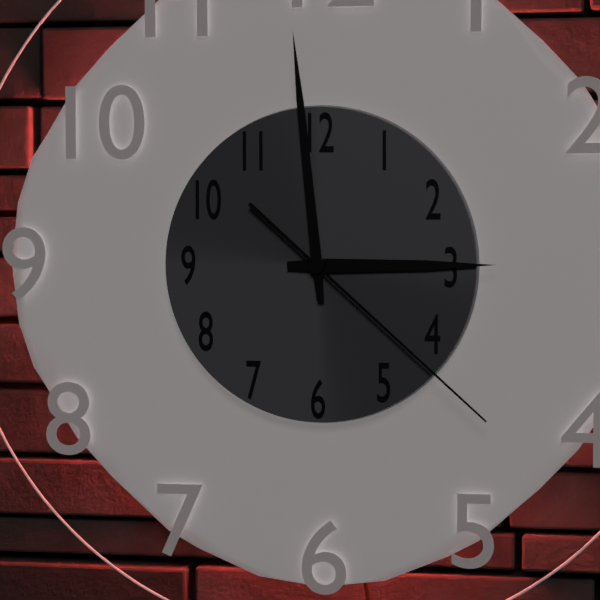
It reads 2.59.22
